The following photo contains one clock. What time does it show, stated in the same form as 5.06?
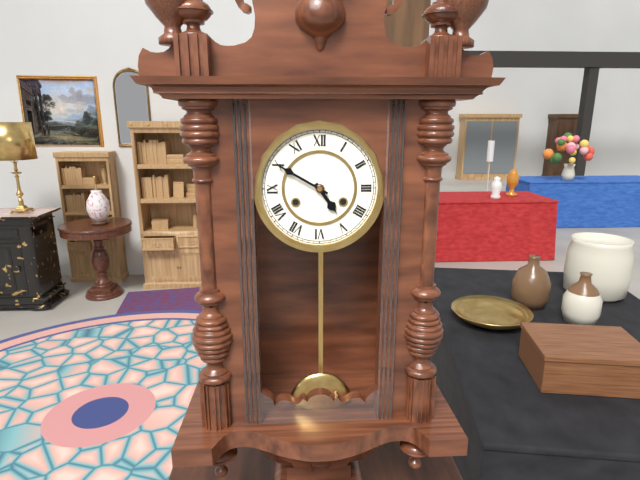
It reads 4.50
